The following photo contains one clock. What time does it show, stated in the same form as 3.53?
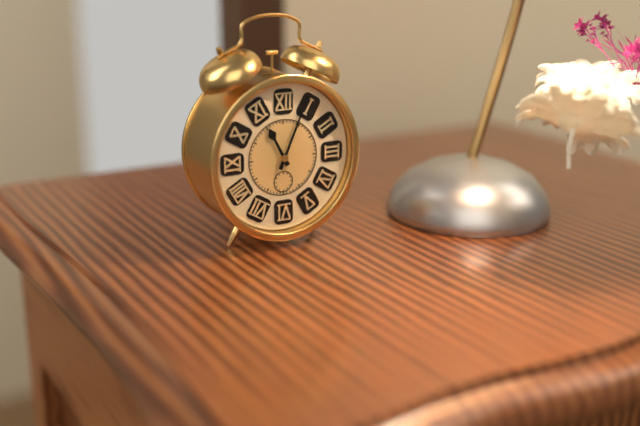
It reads 11.04
